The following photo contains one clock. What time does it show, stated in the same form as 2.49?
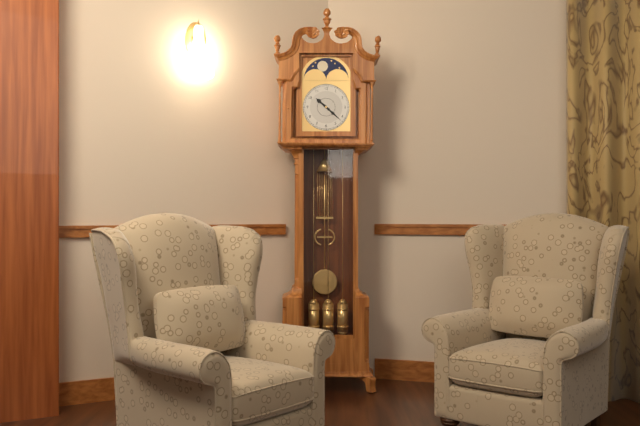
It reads 10.22
